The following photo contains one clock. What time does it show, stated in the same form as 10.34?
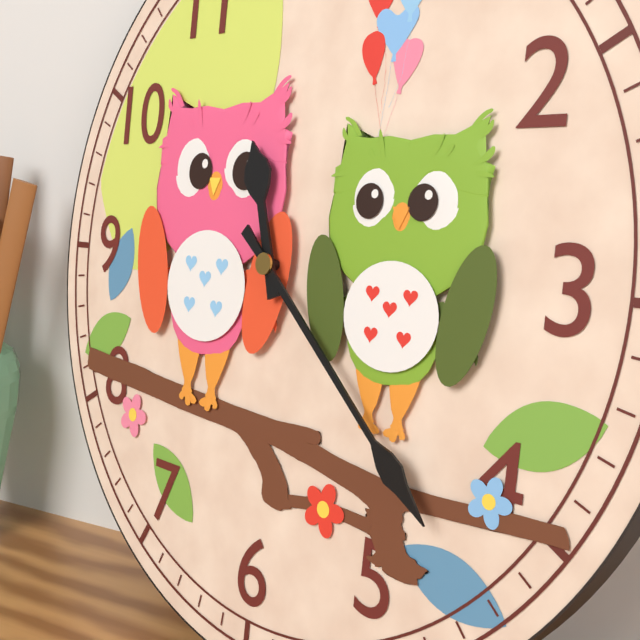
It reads 11.22
